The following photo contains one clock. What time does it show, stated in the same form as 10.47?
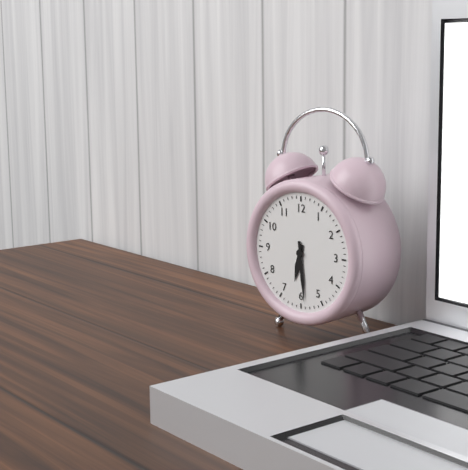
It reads 6.29
